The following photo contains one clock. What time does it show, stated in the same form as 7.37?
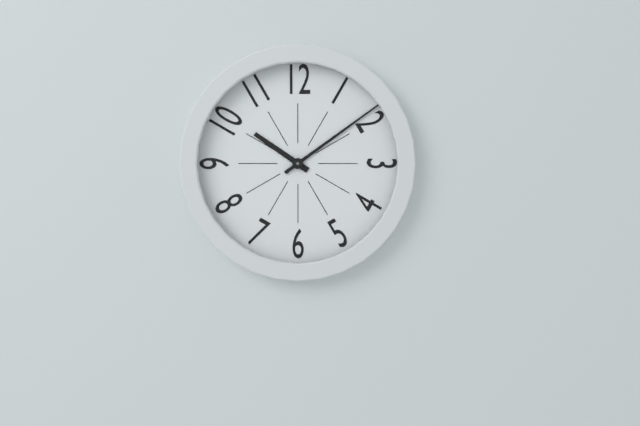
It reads 10.09
